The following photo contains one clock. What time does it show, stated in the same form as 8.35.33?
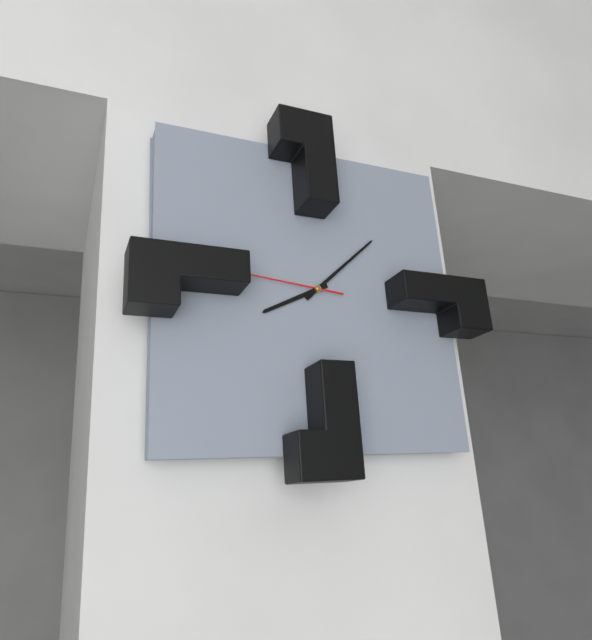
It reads 8.08.46
